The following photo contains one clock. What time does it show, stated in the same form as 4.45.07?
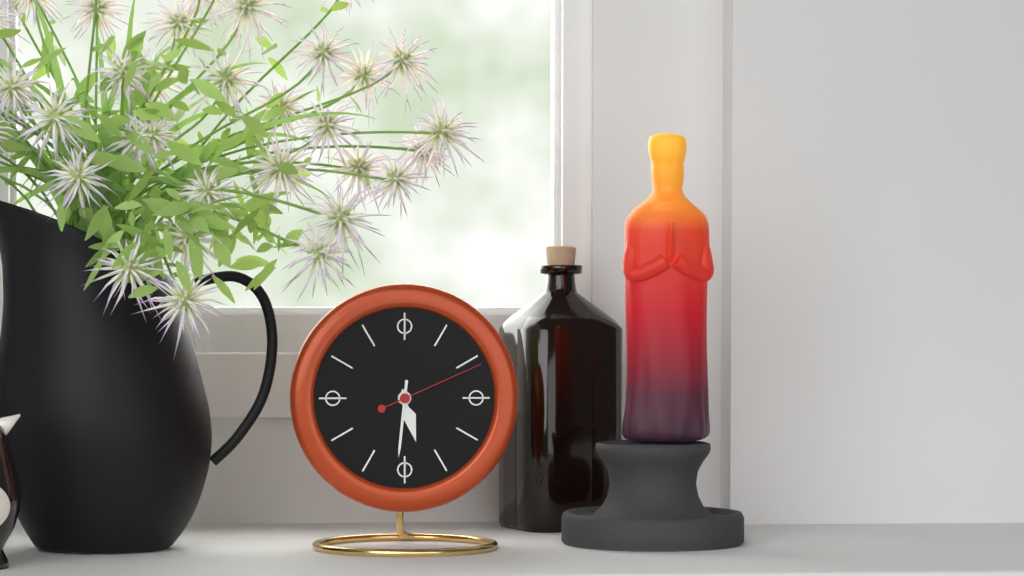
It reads 5.31.11
